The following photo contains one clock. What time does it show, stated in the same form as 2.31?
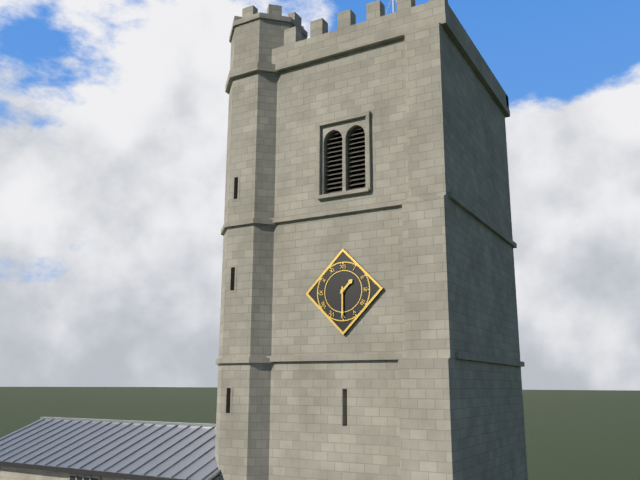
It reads 1.30
